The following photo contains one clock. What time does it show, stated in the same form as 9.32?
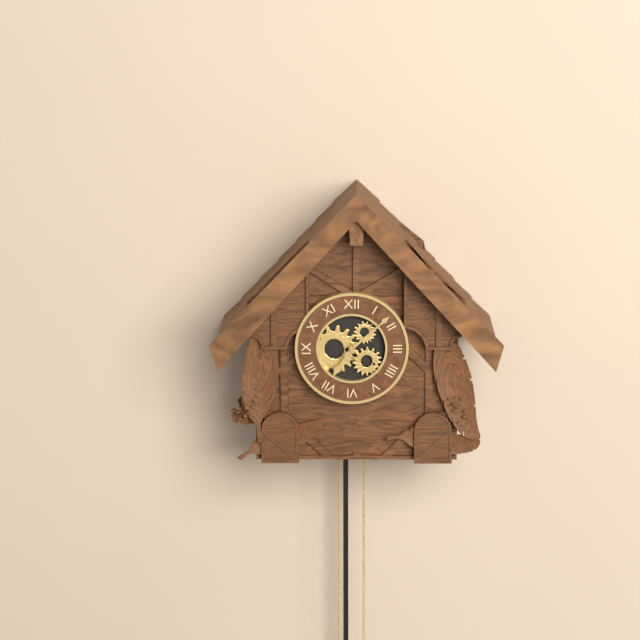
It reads 7.08
